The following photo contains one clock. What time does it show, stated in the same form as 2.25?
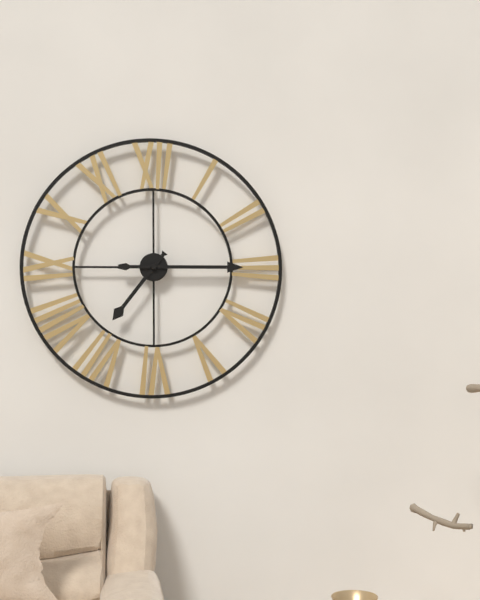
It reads 7.15
